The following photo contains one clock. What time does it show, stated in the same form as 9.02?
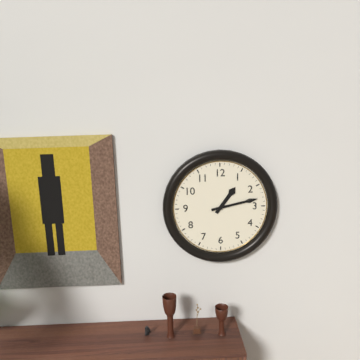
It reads 1.13
